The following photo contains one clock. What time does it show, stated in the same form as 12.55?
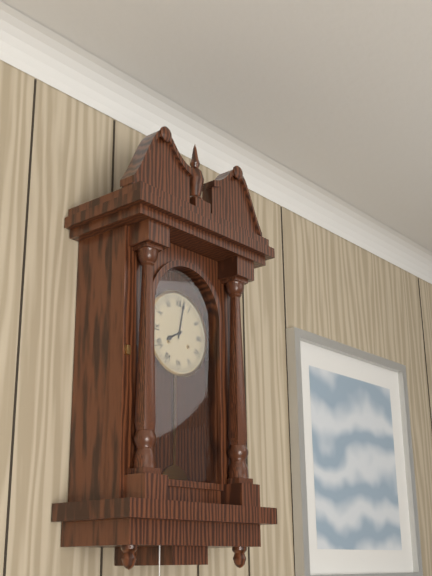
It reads 8.02
